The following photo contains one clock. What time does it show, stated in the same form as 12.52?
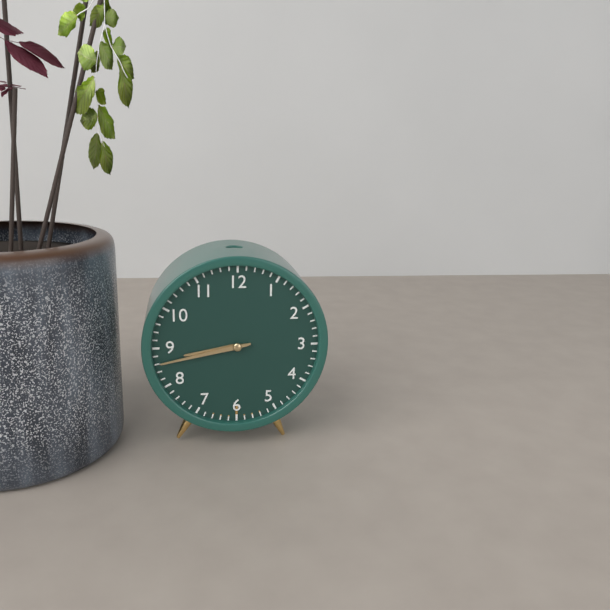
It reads 8.43
